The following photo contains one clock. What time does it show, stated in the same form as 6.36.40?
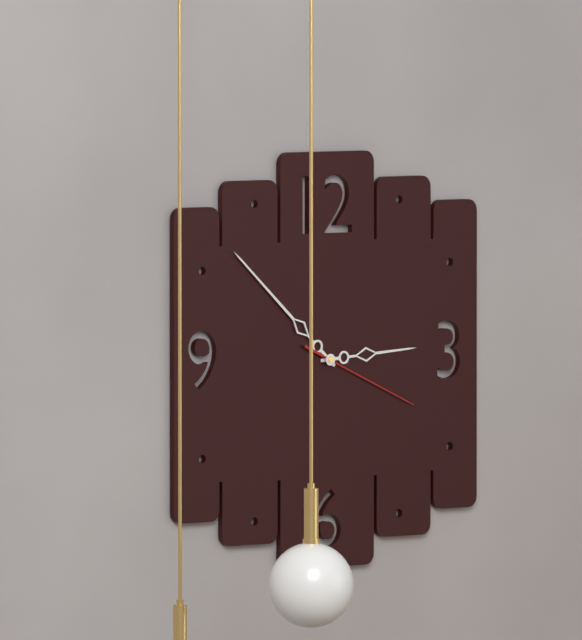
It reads 2.52.19
